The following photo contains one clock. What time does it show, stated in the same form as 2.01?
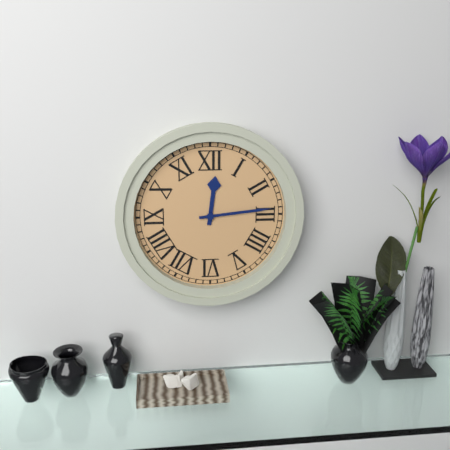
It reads 12.14
